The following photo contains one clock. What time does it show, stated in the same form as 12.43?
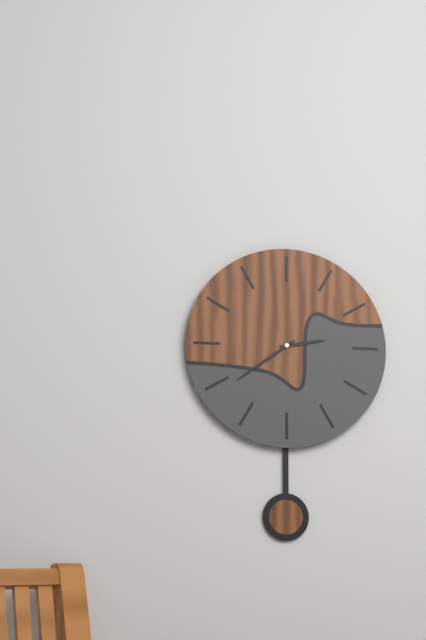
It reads 2.39
